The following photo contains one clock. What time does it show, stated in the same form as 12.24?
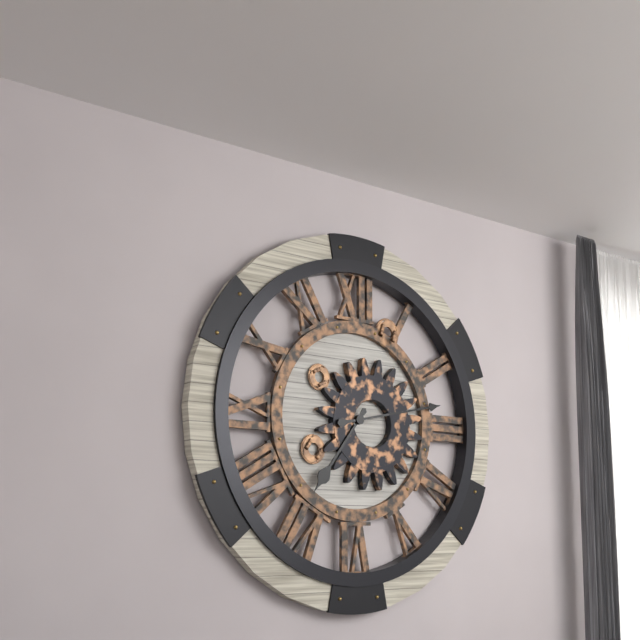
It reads 7.13
